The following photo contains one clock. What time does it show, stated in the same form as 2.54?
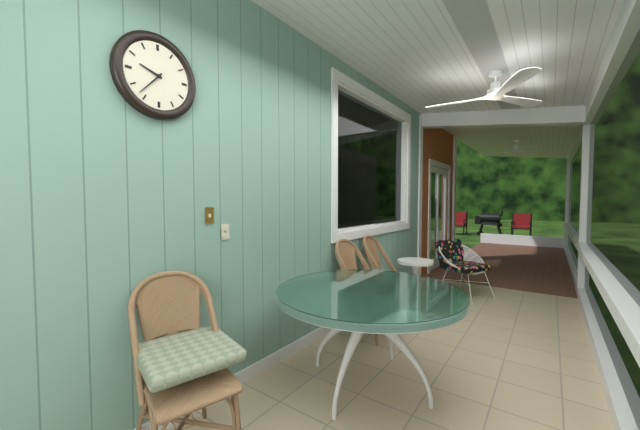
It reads 9.37
